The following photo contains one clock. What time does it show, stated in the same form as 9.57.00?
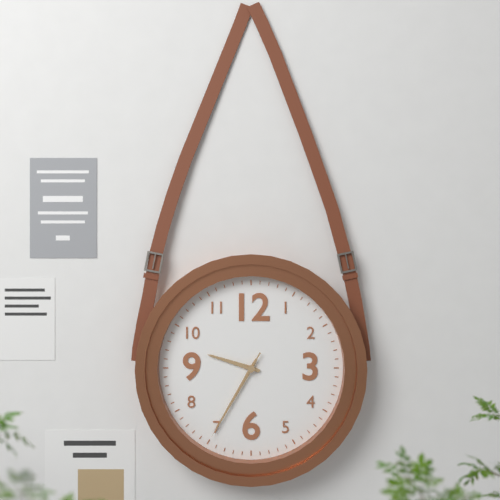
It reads 9.35.35
